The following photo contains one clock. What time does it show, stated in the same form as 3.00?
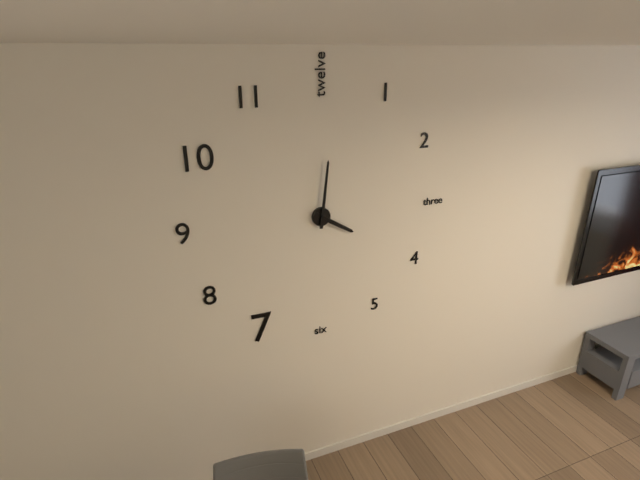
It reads 4.01
